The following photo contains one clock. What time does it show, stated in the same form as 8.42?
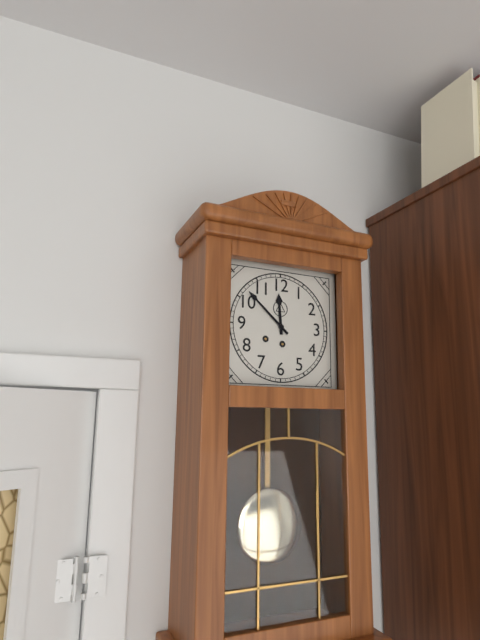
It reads 11.52
